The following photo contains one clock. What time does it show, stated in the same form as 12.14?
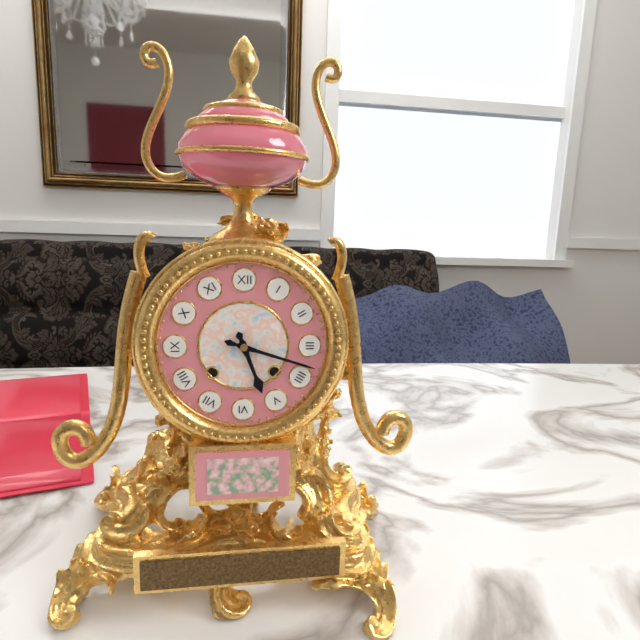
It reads 5.18
